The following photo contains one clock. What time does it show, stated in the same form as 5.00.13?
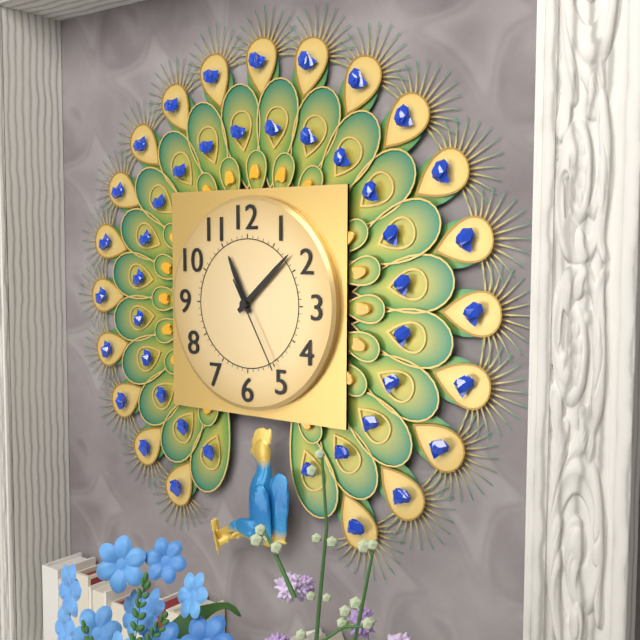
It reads 11.08.25
